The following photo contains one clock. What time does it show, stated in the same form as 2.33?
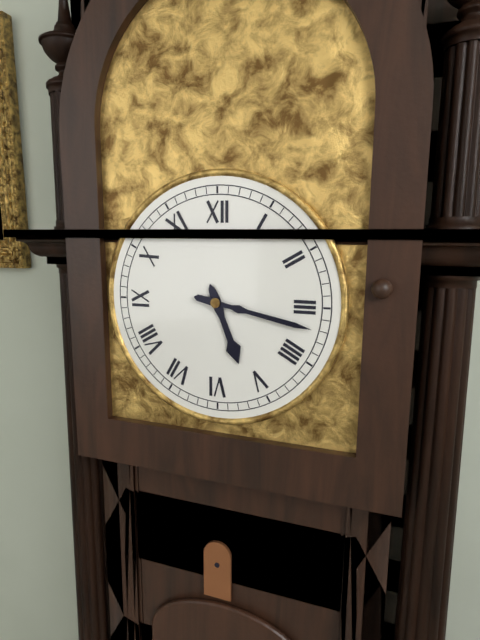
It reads 5.17
